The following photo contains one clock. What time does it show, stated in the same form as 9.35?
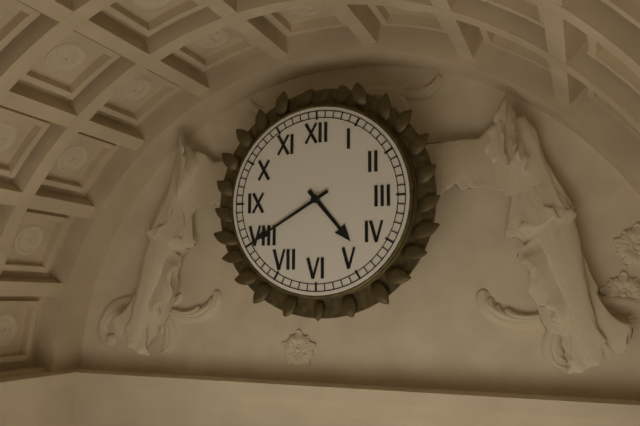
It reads 4.40
